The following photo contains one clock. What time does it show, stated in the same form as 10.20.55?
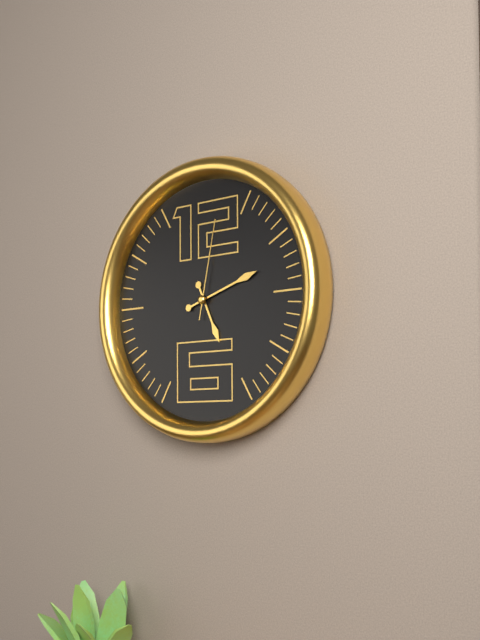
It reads 5.12.02
